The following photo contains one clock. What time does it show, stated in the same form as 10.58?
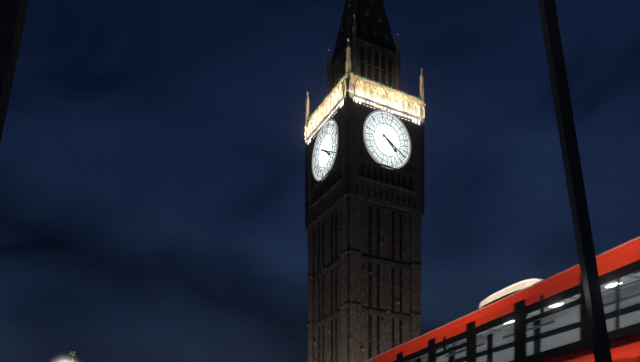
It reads 4.20
